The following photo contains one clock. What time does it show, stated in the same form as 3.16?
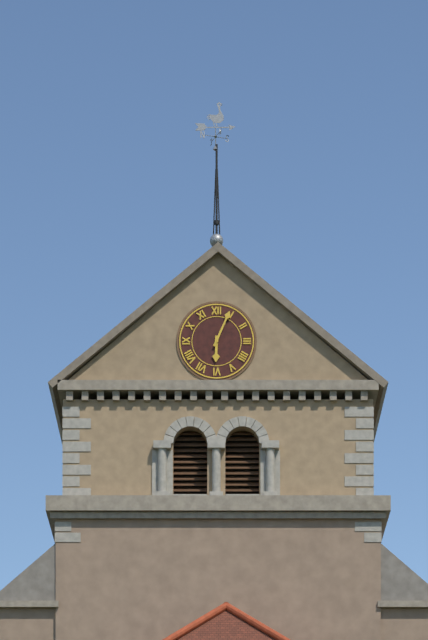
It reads 6.04
